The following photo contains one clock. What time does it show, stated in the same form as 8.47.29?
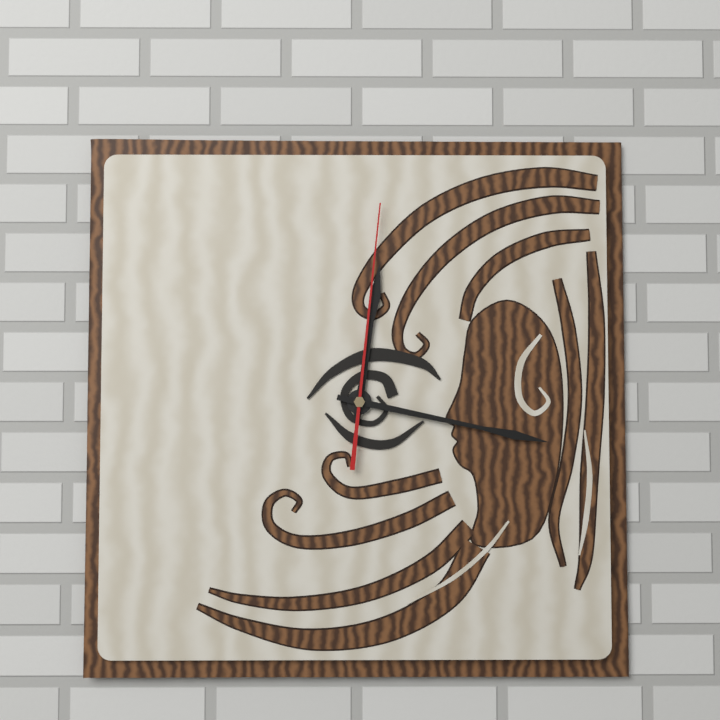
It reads 12.17.01
